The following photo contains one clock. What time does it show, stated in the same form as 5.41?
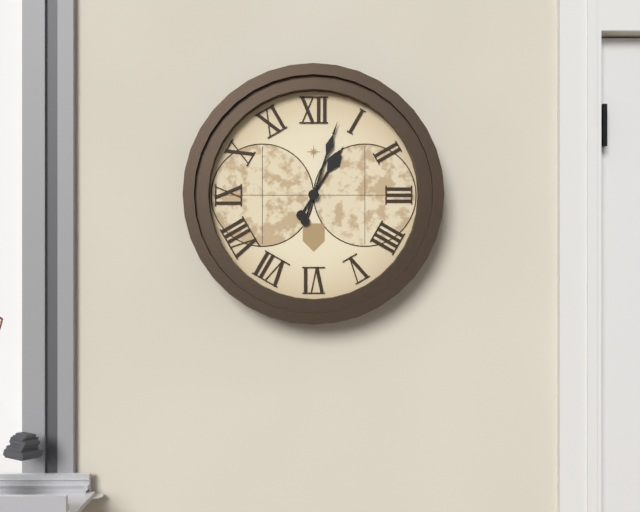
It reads 1.03
